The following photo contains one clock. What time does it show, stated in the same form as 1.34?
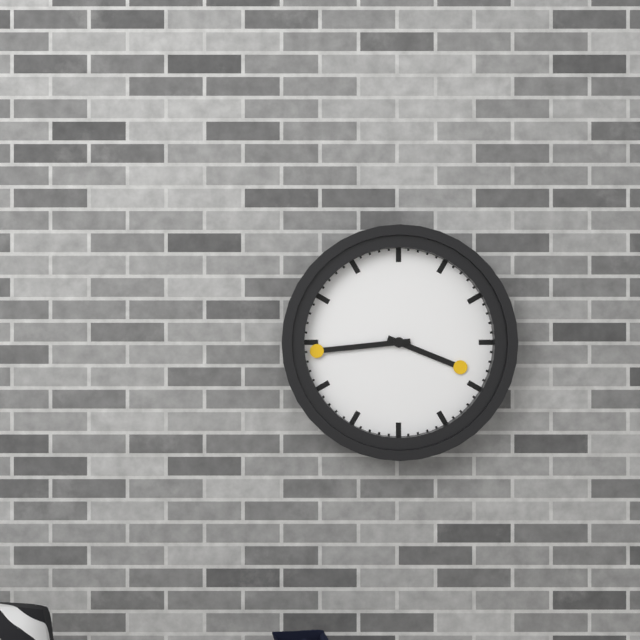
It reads 3.44
